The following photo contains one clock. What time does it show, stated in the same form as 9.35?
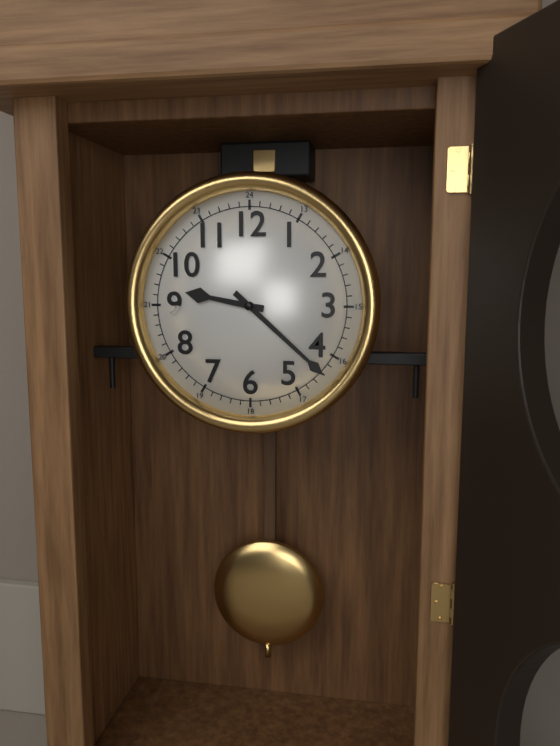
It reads 9.22
